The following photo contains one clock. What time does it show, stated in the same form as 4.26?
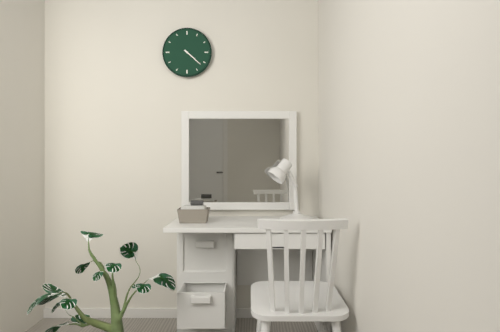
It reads 4.22
